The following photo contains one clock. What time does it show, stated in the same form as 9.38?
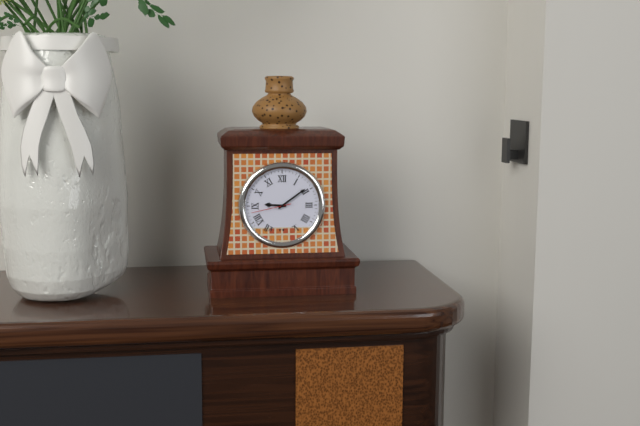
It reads 9.09
